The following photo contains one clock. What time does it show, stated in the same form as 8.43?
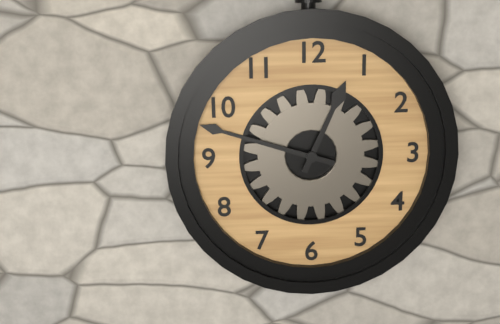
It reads 12.48
